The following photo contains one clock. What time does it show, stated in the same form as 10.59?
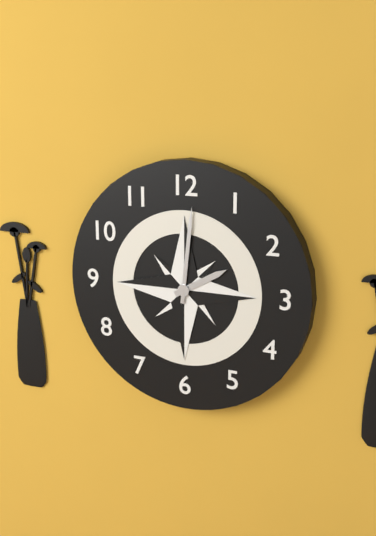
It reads 2.01
